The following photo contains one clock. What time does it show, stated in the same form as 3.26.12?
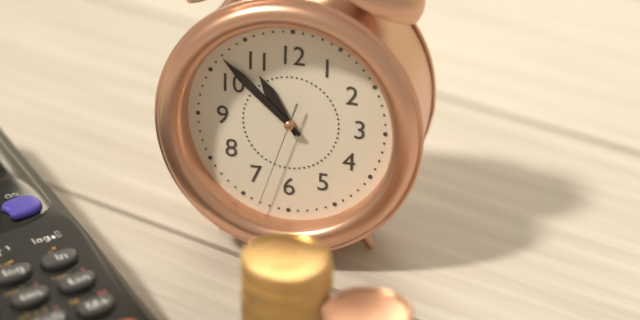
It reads 10.52.33
